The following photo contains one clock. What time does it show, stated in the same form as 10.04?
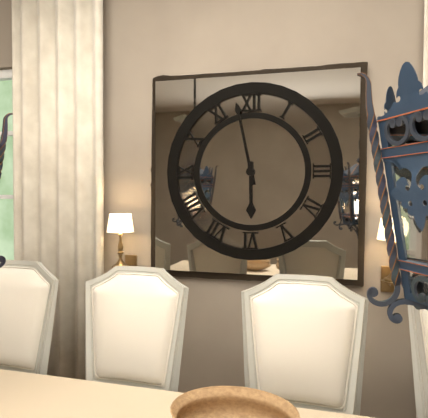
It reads 5.58
